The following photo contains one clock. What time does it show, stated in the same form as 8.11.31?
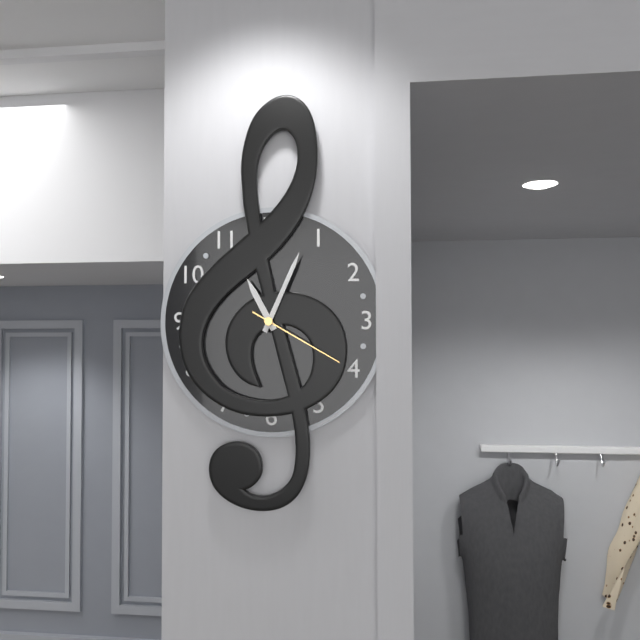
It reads 11.04.20
